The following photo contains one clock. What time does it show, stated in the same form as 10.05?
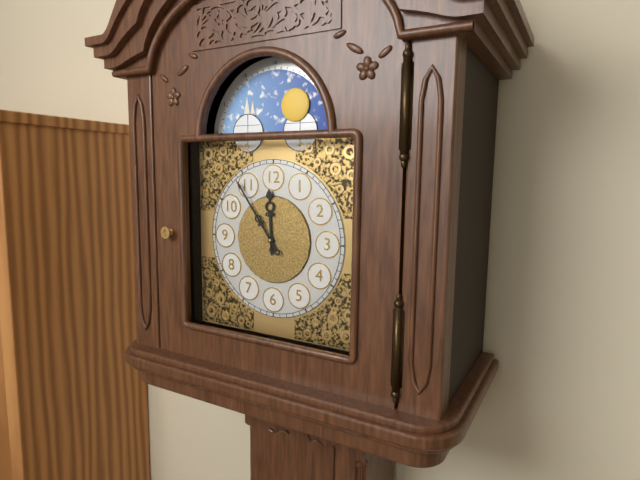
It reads 11.54
